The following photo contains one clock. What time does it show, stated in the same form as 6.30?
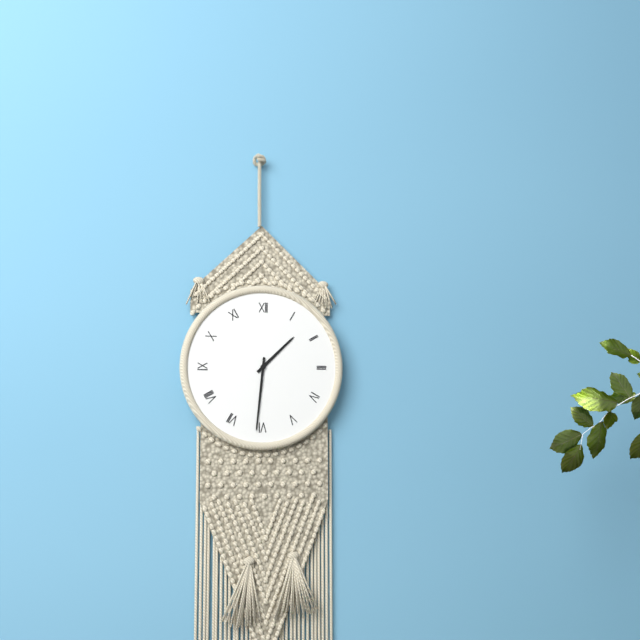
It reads 1.31
